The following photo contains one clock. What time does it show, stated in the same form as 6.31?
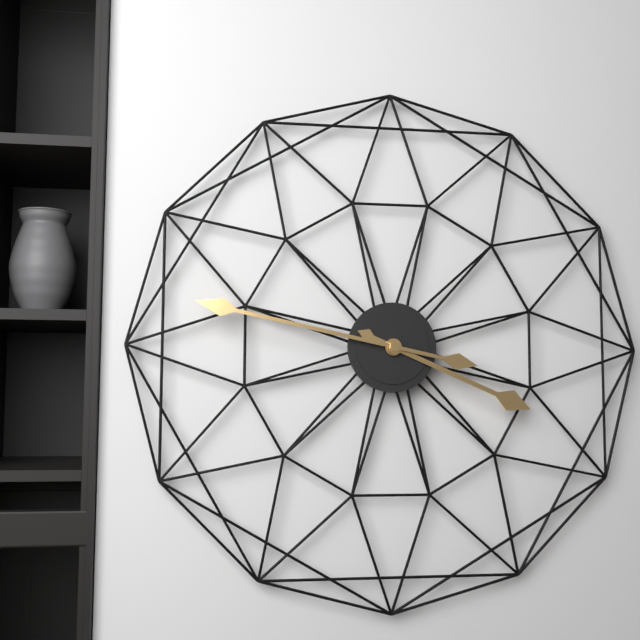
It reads 3.47
